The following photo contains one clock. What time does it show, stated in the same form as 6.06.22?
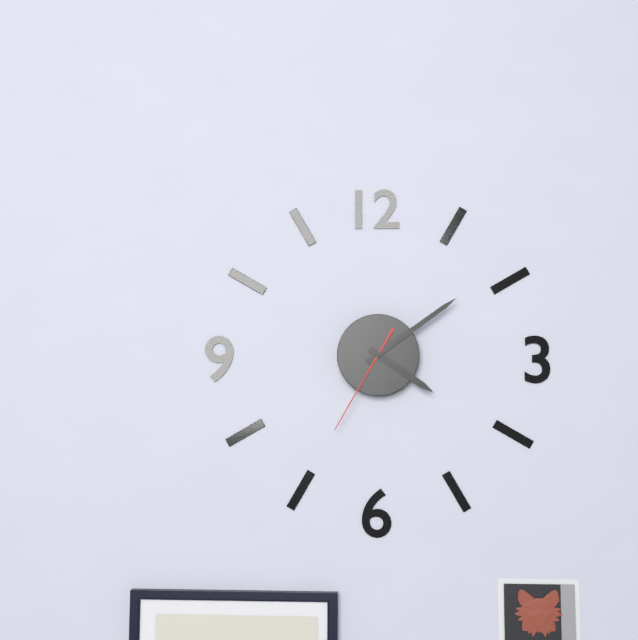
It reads 4.09.35
